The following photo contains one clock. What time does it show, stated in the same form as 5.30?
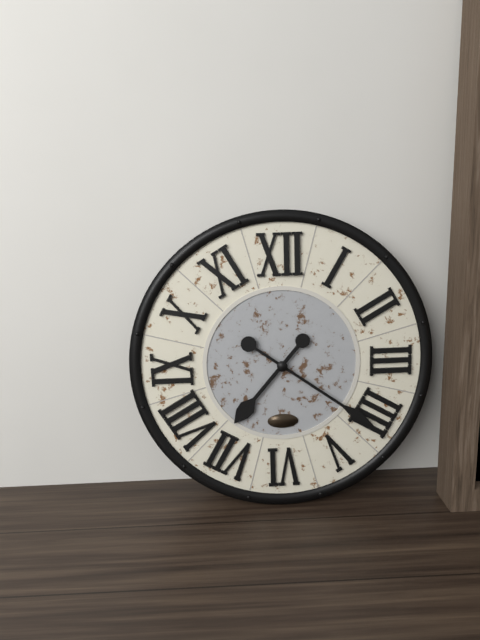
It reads 7.21
